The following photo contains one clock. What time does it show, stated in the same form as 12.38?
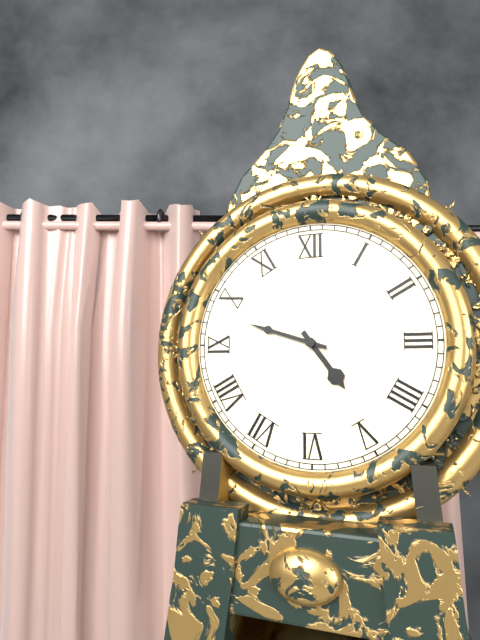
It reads 4.48
